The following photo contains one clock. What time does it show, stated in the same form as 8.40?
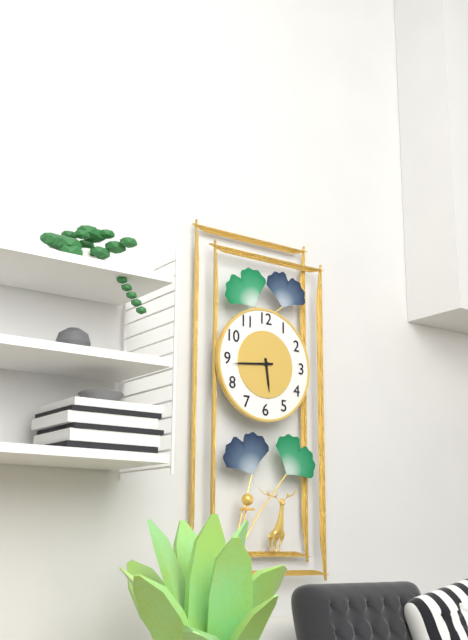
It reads 5.44
